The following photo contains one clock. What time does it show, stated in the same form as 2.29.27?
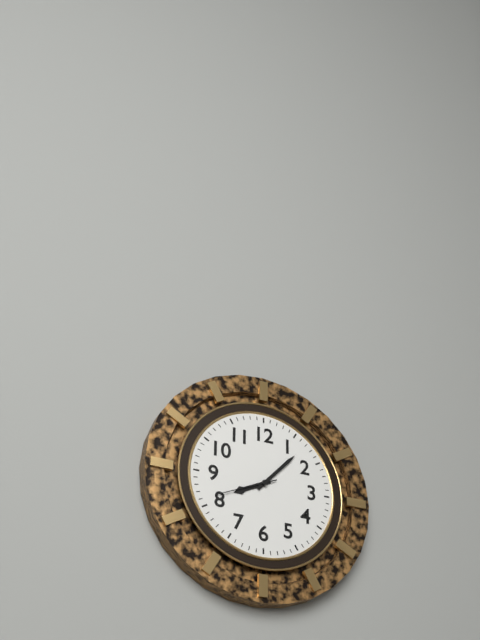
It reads 8.07.41
